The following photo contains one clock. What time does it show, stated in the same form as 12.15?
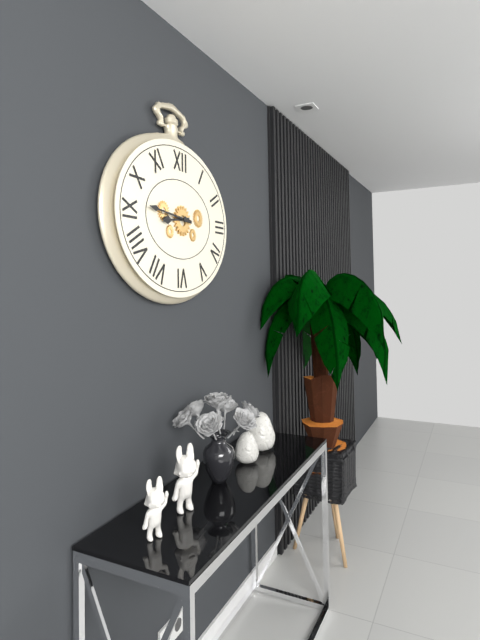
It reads 8.46
